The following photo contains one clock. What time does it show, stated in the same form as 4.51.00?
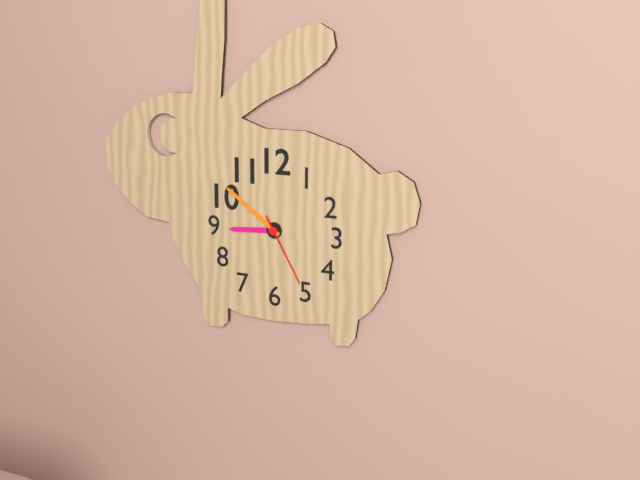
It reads 8.51.25
